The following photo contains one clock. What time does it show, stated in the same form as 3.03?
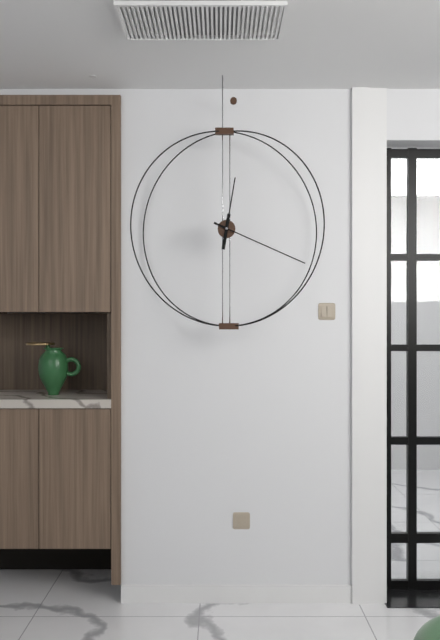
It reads 12.19
